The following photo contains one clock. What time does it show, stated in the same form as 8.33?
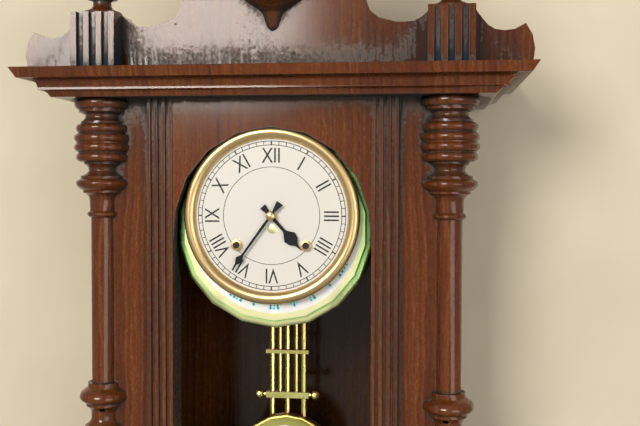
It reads 4.36
